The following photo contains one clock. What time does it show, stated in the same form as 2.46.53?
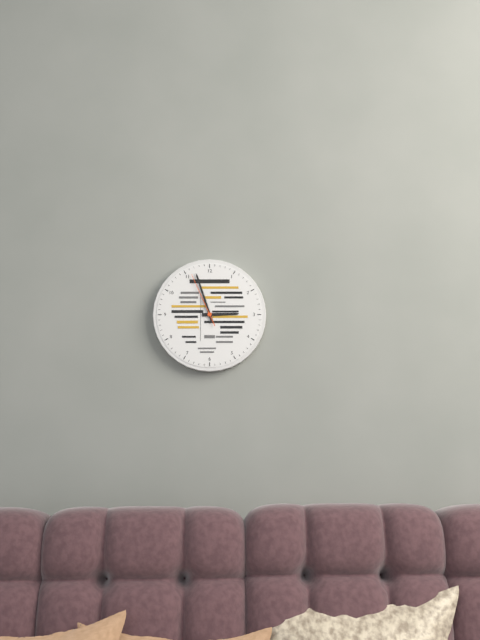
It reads 2.57.56
